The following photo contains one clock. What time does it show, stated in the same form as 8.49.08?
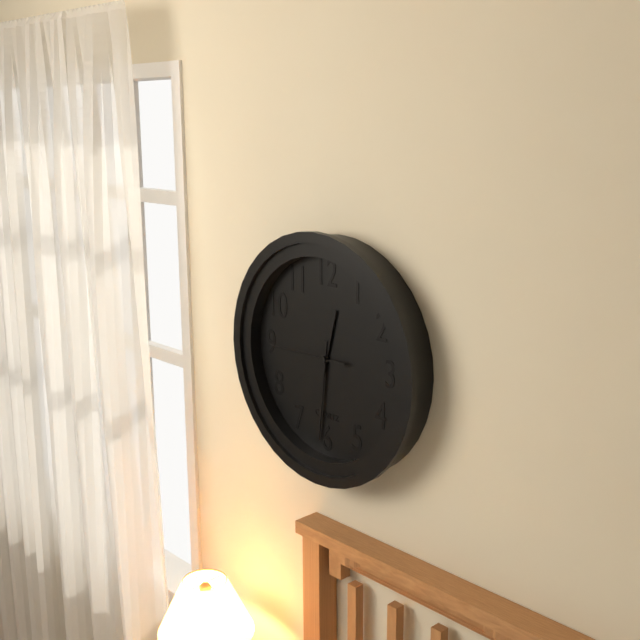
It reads 12.31.45
